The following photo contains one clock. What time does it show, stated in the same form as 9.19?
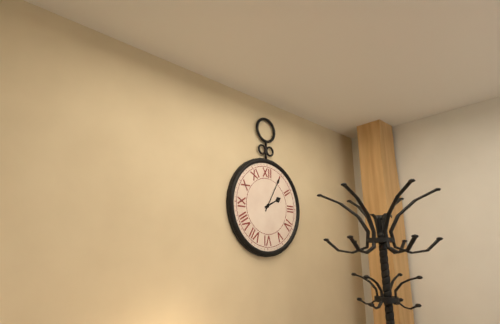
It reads 2.05
